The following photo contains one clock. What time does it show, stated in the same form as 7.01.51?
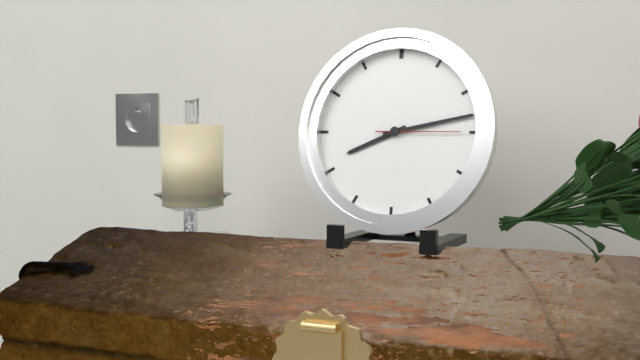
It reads 8.13.15
